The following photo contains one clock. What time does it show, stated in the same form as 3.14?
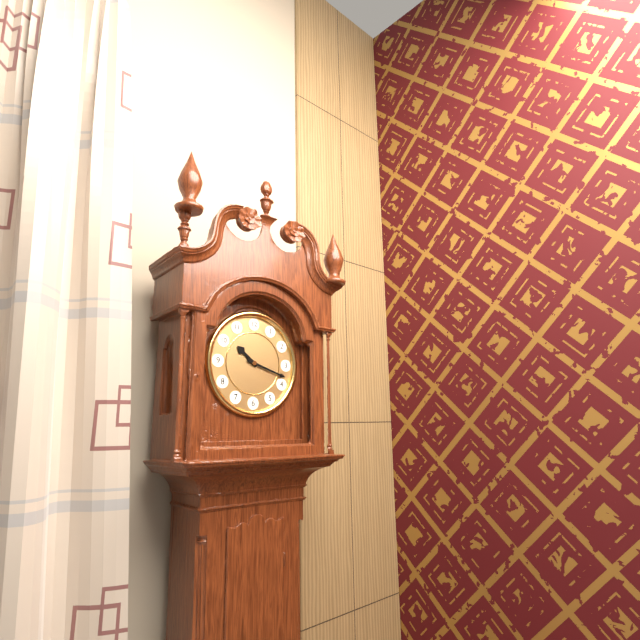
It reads 10.18
